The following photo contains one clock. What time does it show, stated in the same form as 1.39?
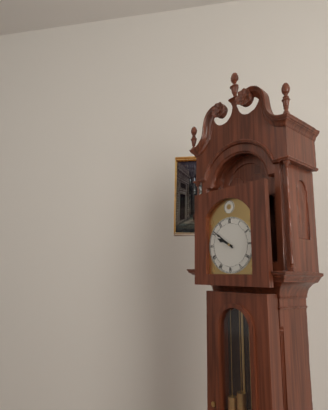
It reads 9.51
